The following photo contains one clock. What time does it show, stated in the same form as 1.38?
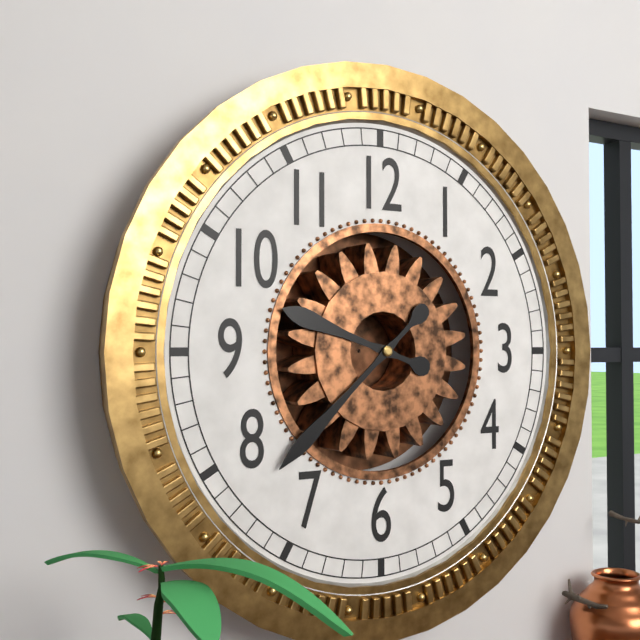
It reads 9.38
